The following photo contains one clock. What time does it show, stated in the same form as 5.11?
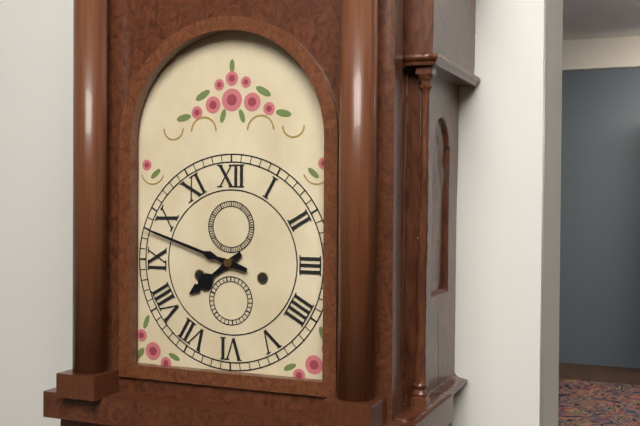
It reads 7.48
